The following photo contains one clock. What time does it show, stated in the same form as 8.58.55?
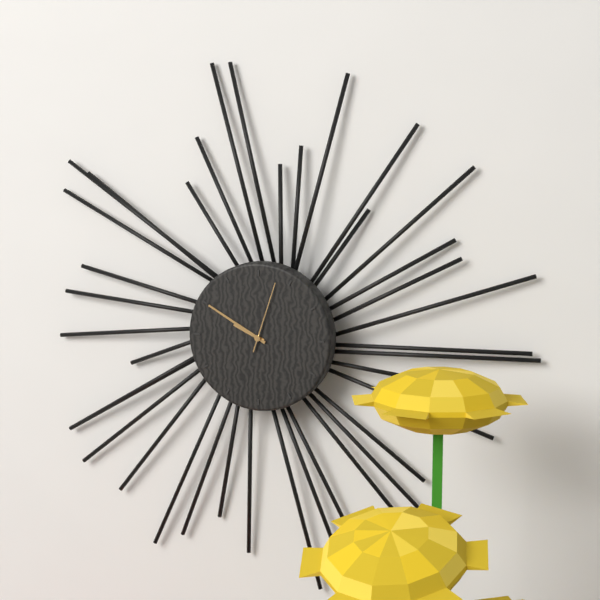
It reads 9.50.03
